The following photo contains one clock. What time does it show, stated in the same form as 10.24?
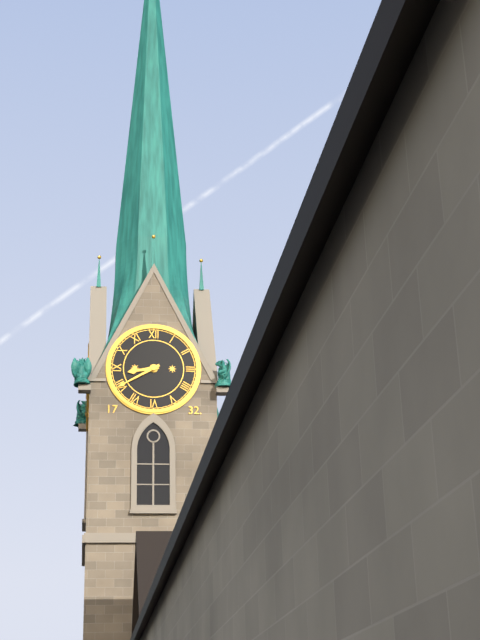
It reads 8.40
